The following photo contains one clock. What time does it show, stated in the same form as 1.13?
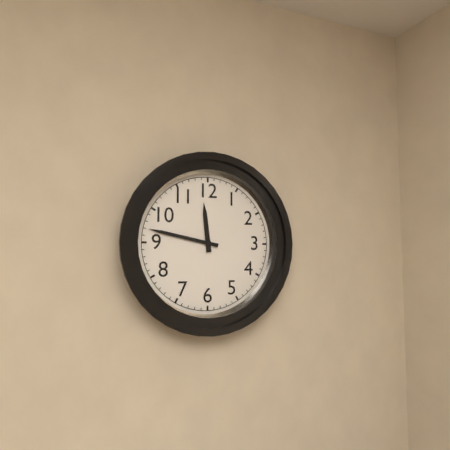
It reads 11.47
